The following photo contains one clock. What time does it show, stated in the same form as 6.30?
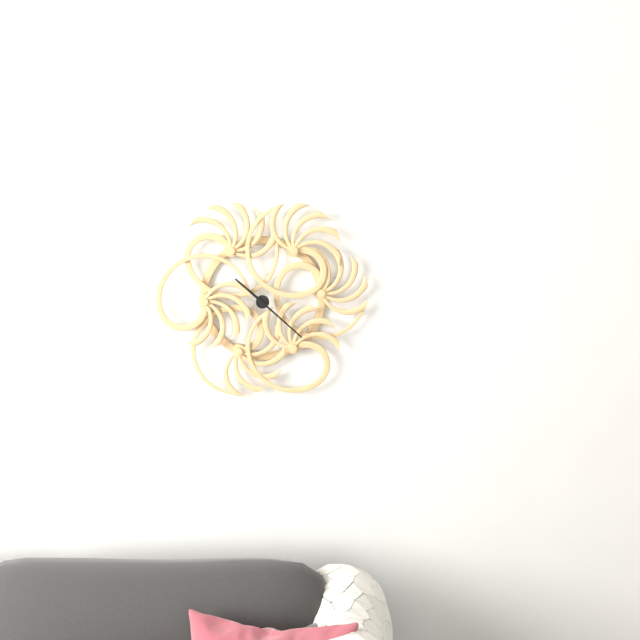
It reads 10.22
